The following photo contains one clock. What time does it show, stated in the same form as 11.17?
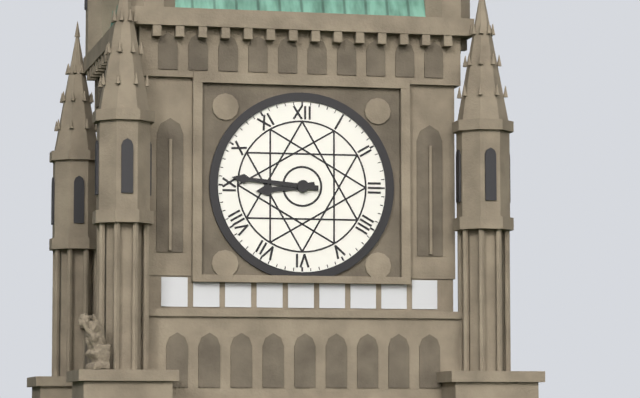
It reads 8.46
